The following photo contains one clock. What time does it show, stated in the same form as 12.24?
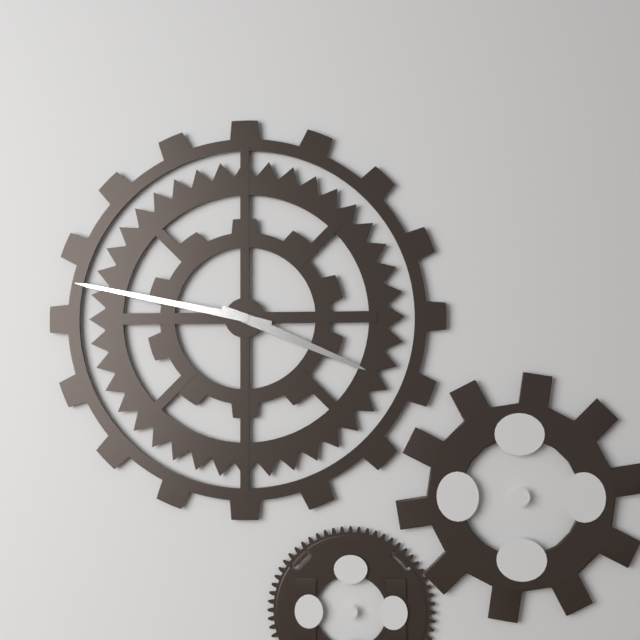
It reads 3.47
